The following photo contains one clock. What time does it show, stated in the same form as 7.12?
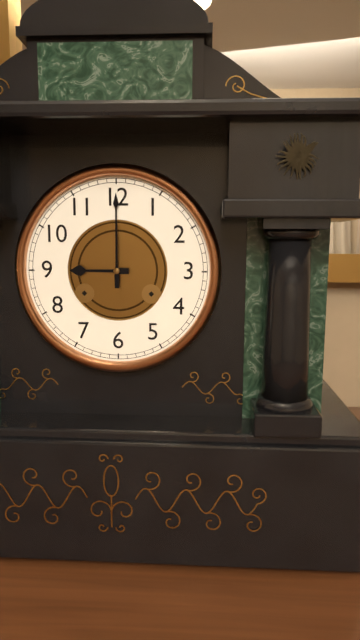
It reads 9.00
